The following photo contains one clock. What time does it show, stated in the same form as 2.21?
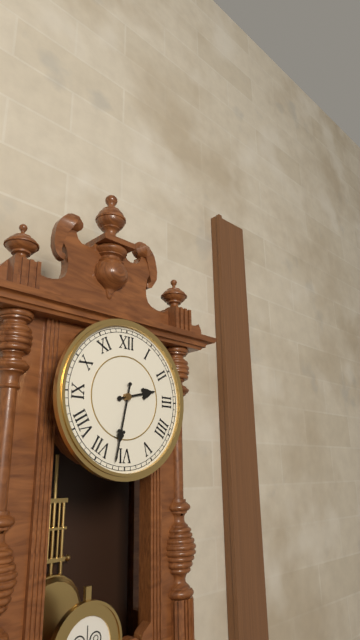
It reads 2.32
